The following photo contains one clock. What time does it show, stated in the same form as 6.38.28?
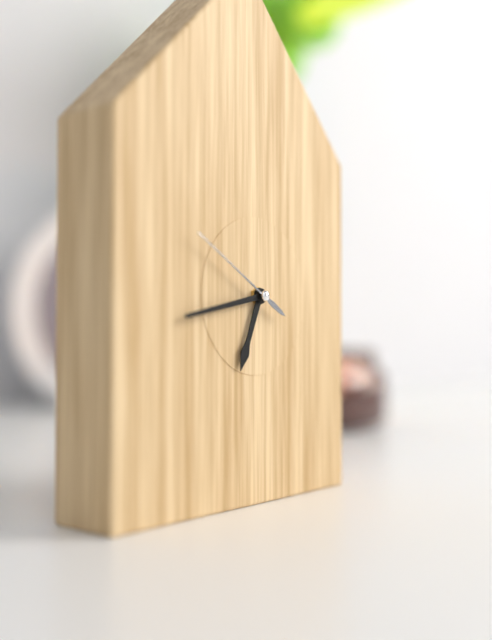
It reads 6.43.50
